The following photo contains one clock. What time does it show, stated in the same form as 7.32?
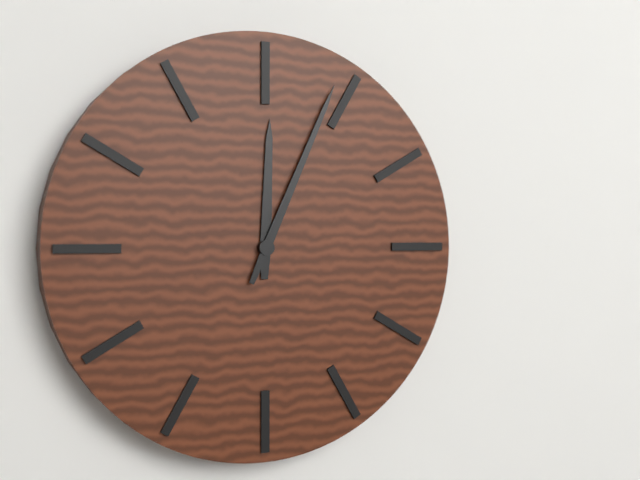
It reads 12.04
